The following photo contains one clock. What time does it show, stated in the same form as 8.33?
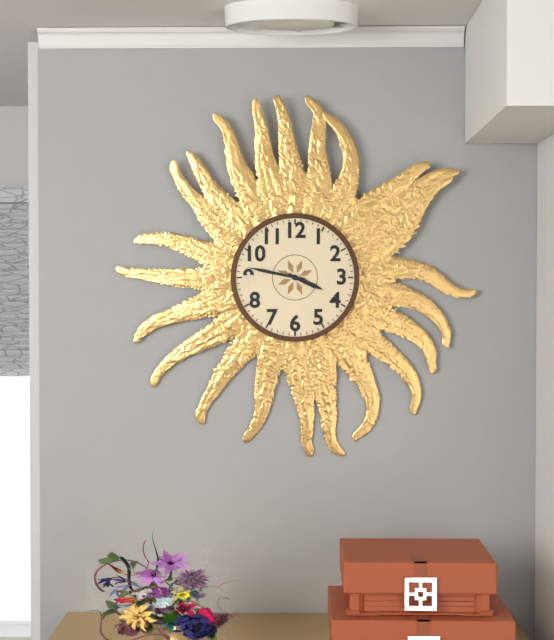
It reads 3.47
